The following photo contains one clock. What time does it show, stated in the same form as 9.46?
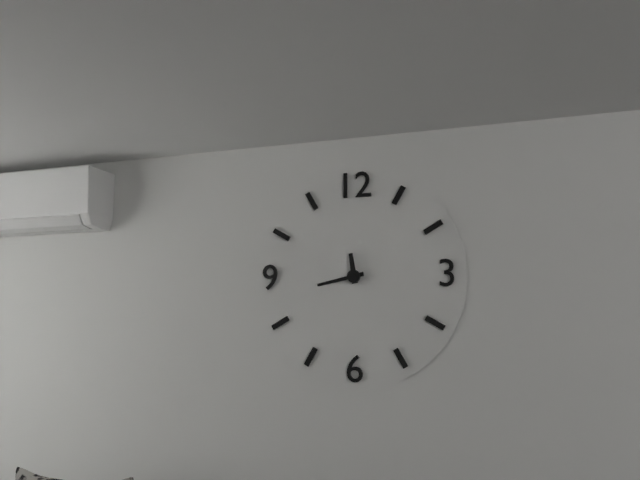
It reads 11.43
